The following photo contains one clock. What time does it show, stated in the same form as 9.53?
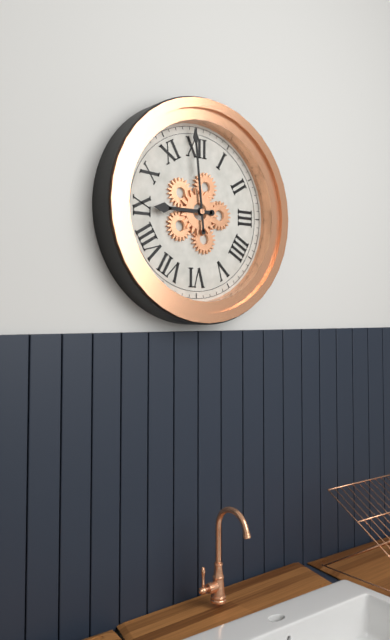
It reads 8.59
